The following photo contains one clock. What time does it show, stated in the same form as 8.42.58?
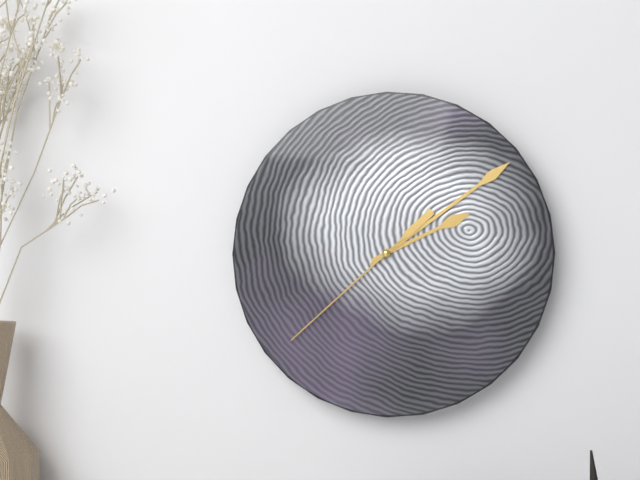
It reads 2.09.38
